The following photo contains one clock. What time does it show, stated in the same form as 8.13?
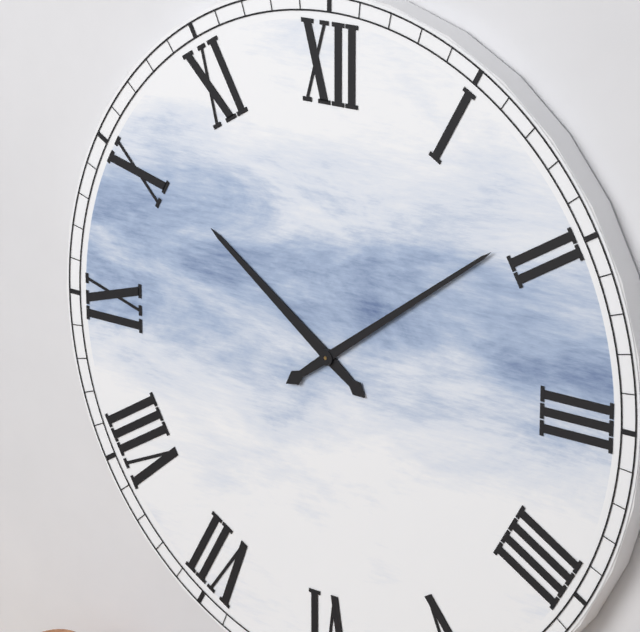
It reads 10.09
